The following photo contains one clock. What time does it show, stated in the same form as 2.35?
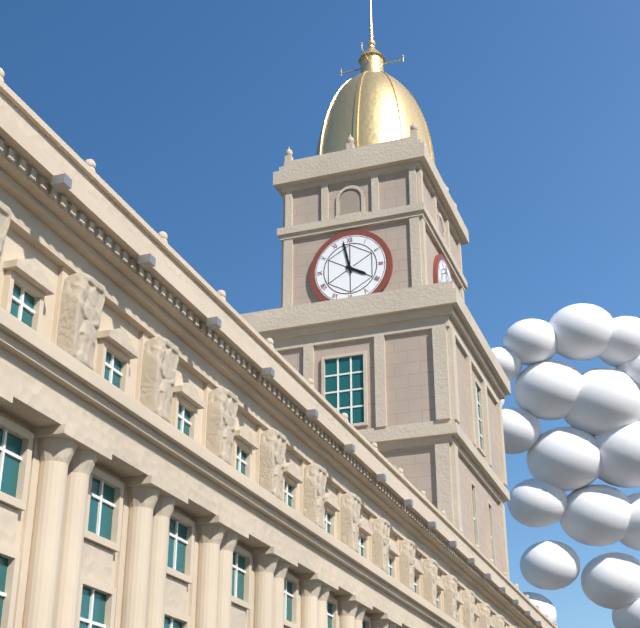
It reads 3.58
